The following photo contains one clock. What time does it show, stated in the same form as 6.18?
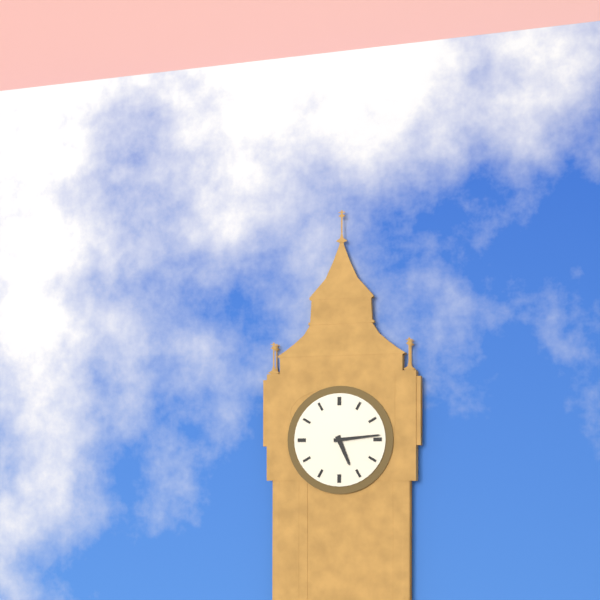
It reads 5.14
